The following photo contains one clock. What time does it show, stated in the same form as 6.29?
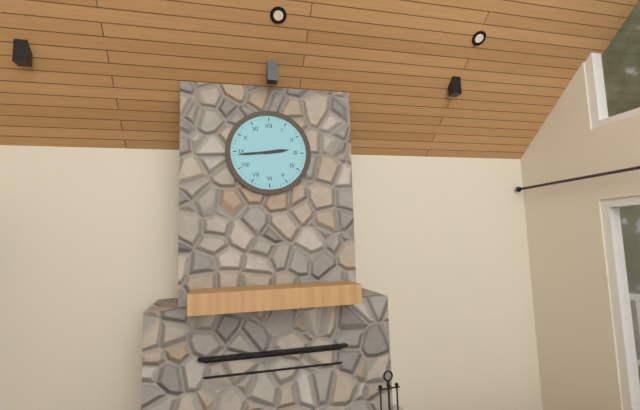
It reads 2.44
